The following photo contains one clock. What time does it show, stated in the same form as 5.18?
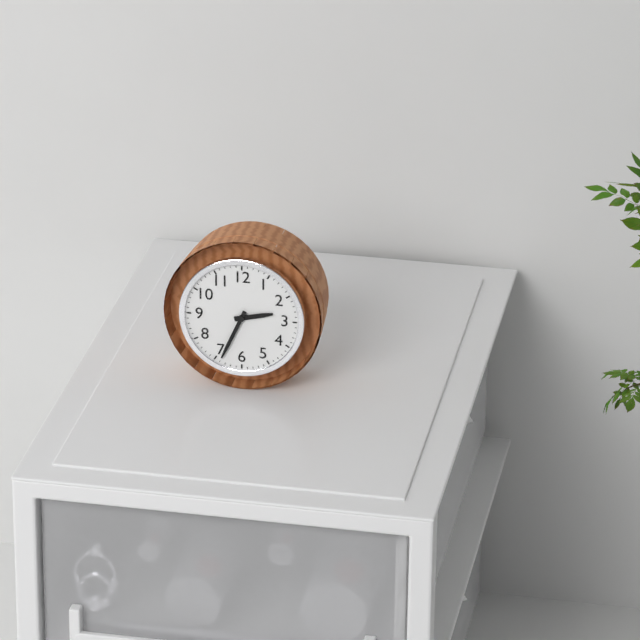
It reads 2.34
